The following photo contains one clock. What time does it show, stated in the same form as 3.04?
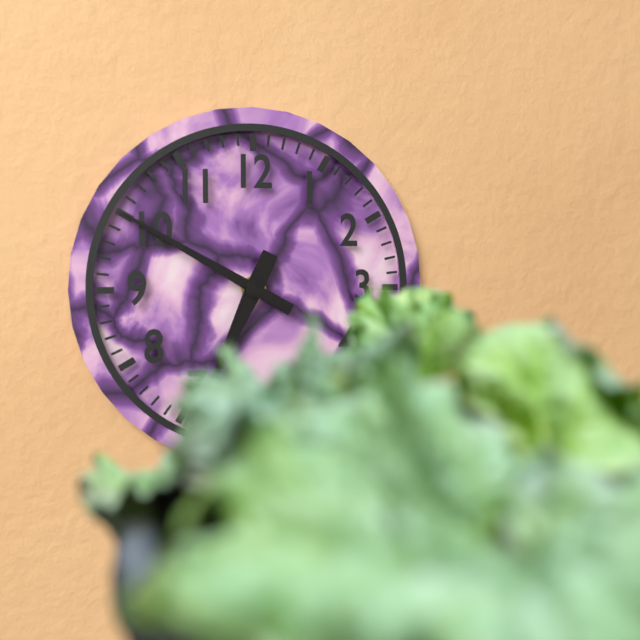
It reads 6.50
